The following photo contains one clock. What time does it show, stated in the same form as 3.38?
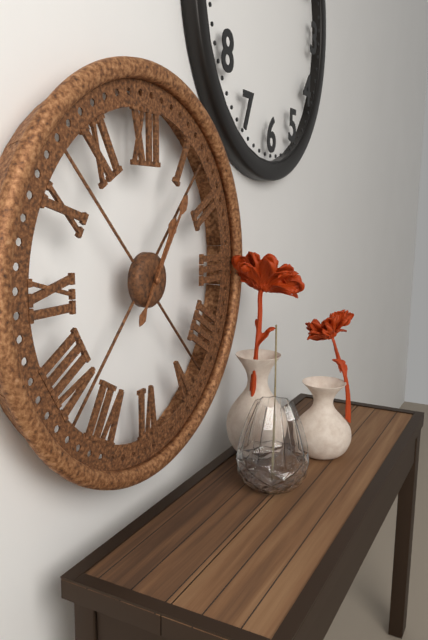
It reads 1.06
